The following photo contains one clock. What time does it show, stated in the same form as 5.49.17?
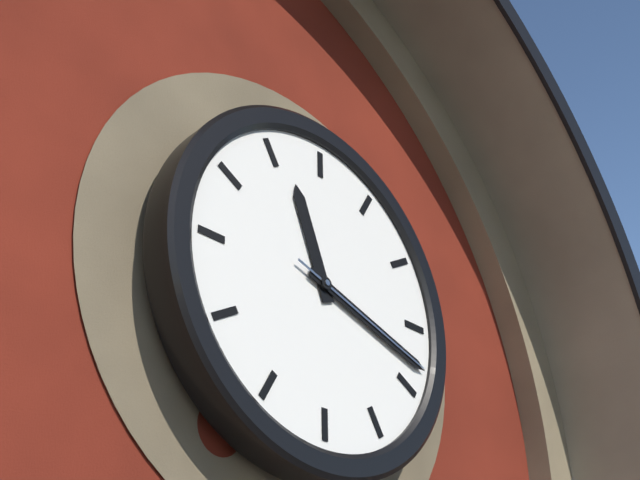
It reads 11.18.18
